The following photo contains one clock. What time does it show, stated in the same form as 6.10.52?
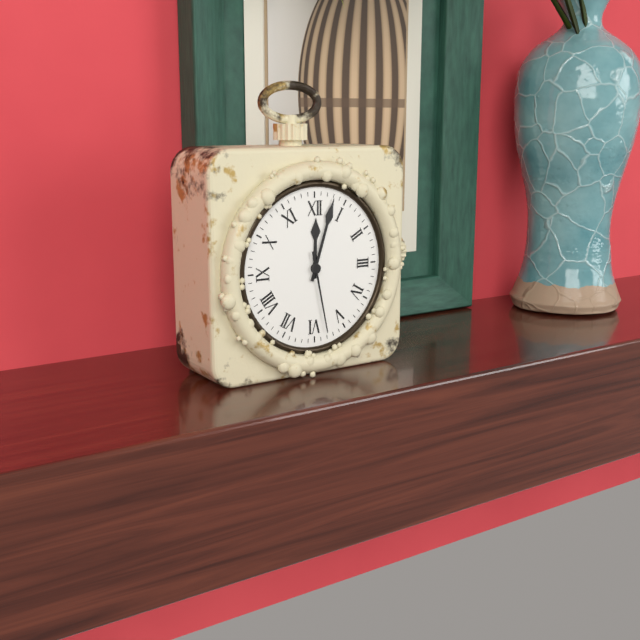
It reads 12.03.28
